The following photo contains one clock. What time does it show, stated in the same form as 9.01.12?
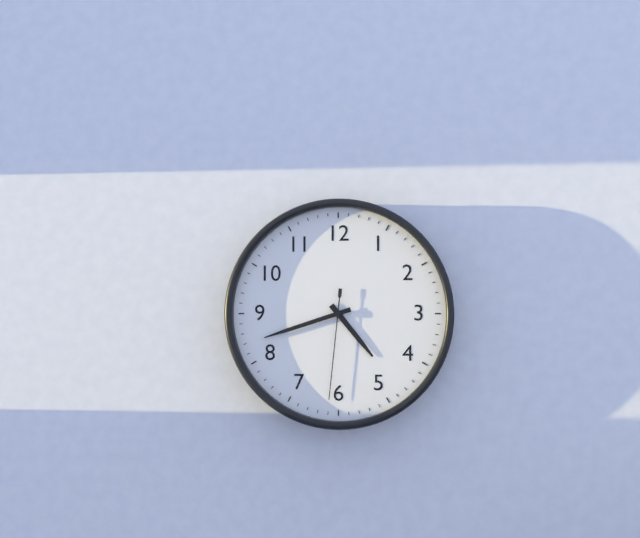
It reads 4.42.31
